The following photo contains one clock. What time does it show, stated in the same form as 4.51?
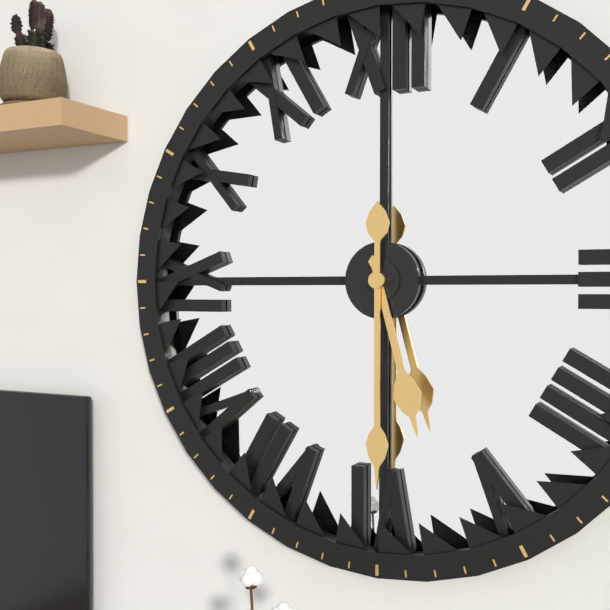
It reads 5.30
